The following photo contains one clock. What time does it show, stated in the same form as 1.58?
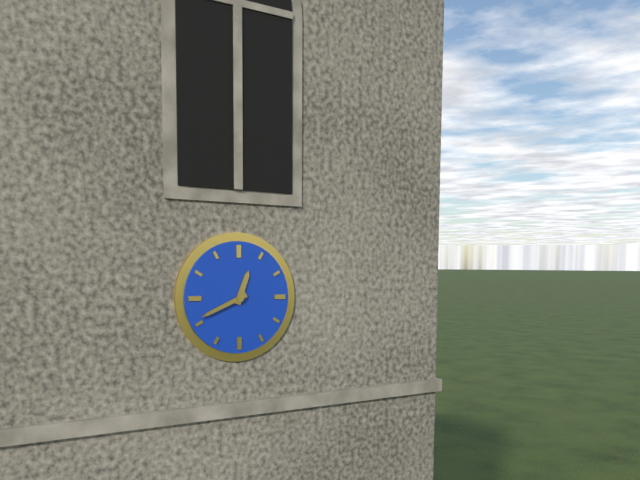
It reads 12.41
